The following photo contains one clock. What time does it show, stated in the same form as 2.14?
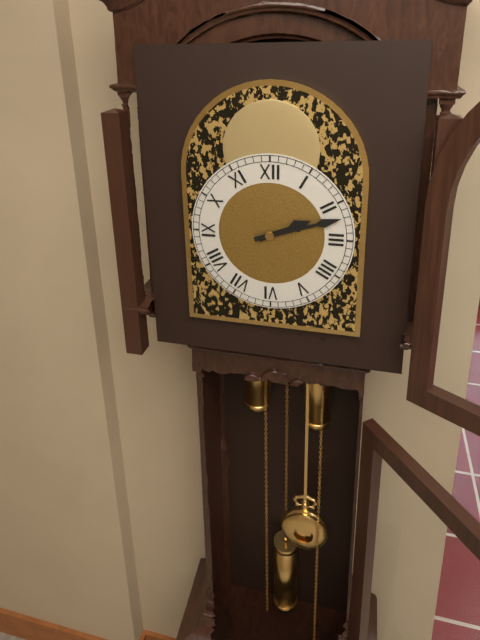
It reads 2.12
